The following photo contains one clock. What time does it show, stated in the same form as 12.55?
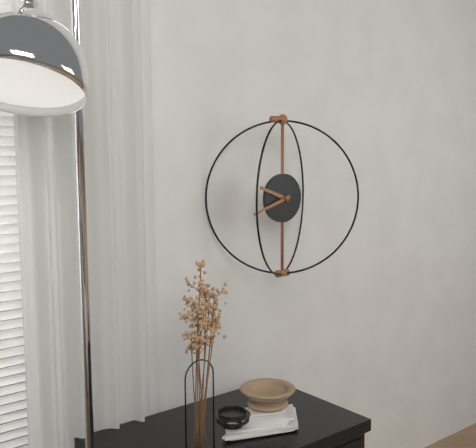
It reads 9.42
